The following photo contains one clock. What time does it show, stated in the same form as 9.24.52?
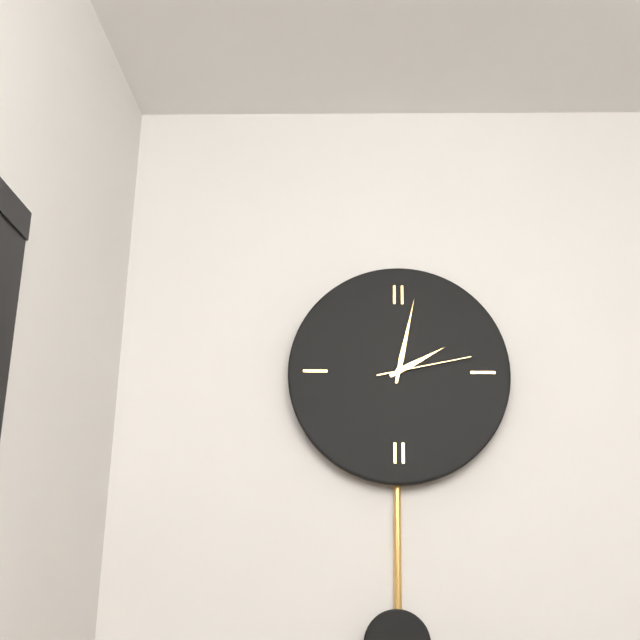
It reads 2.02.13
